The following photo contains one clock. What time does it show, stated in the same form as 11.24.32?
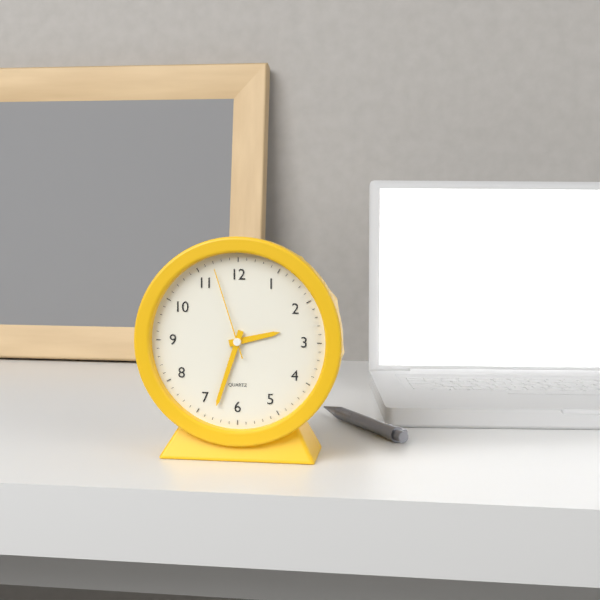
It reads 2.33.57
